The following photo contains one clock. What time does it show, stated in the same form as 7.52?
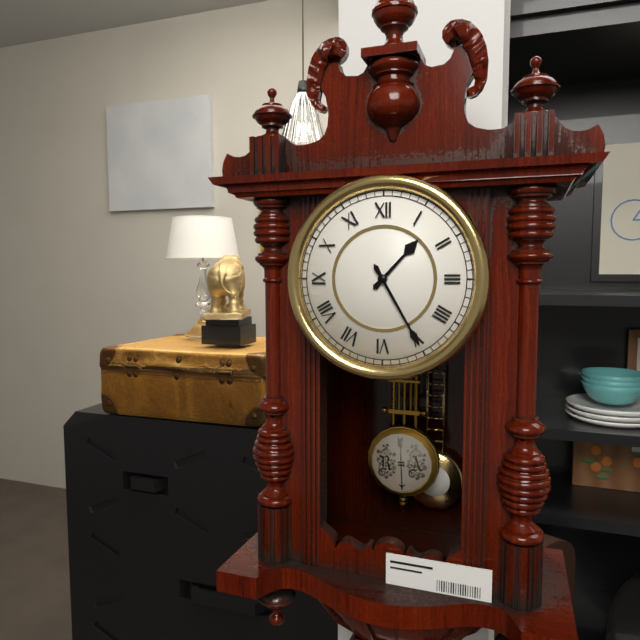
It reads 1.25
